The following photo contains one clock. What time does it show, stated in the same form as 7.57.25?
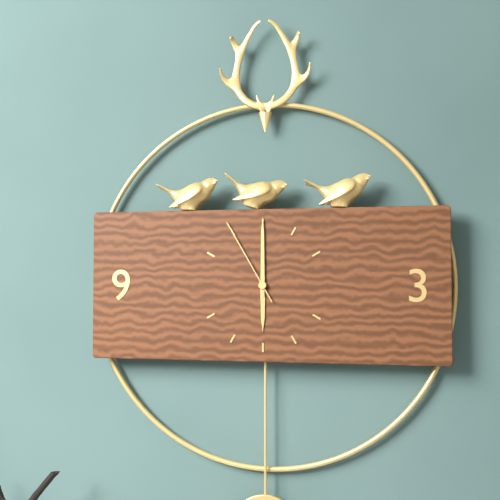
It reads 6.00.55
